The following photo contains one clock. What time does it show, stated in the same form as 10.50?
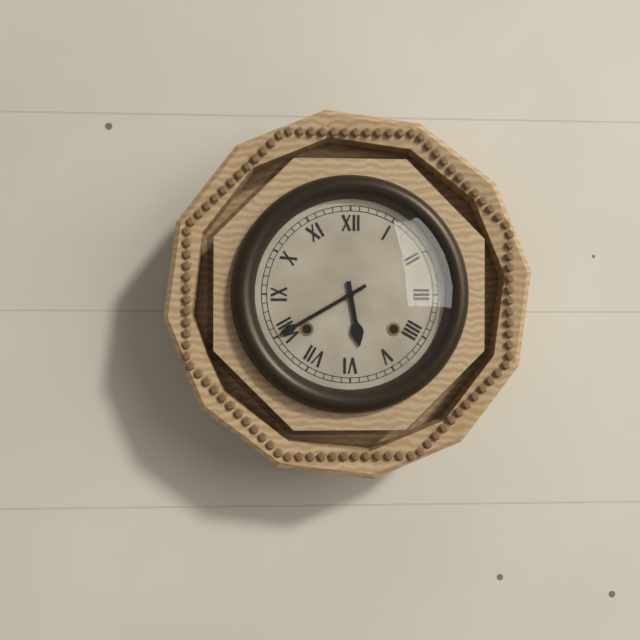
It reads 5.40
